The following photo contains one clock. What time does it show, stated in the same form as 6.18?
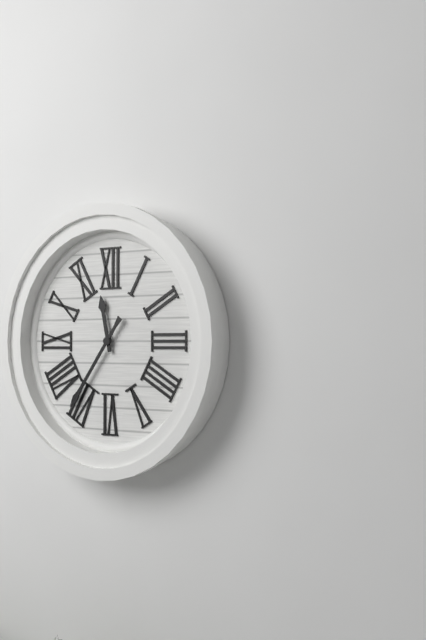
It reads 11.36
